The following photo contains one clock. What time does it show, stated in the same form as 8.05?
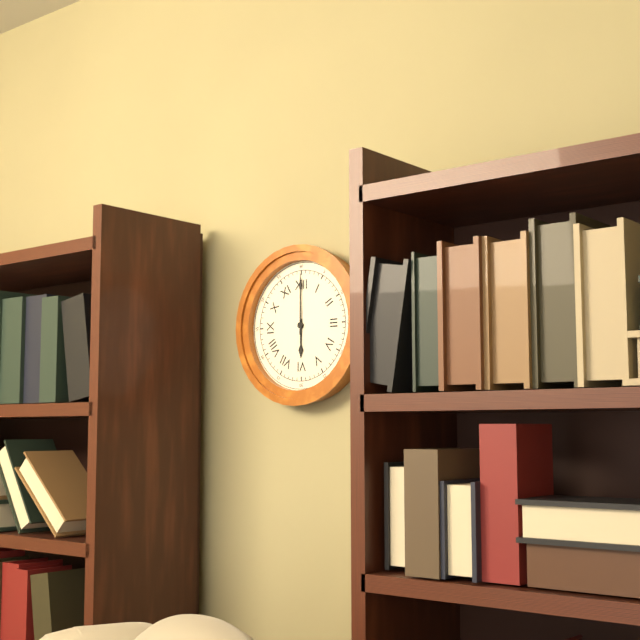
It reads 6.00
